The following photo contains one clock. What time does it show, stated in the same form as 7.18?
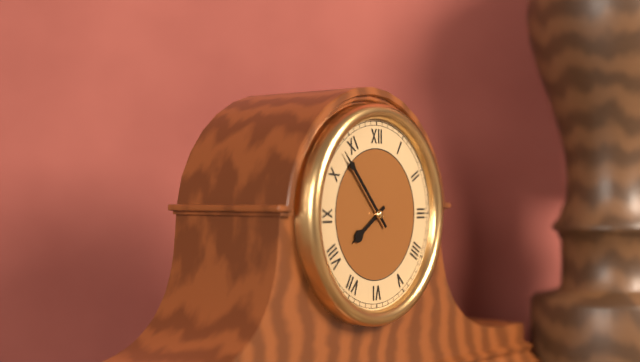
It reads 7.53
